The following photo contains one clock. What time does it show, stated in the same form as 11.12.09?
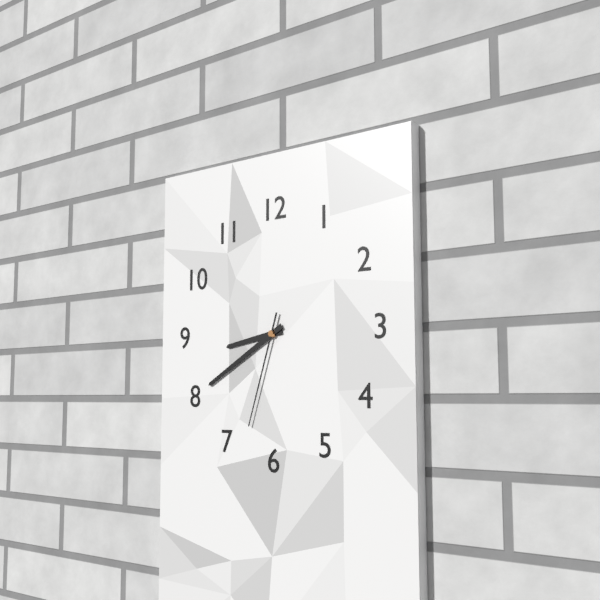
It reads 8.40.33
